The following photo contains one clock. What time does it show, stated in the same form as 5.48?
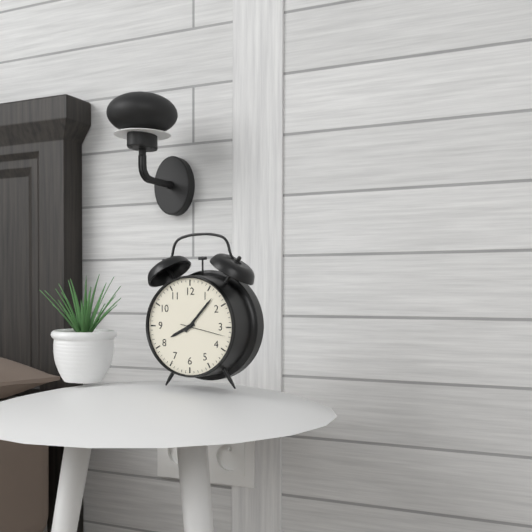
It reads 8.07
